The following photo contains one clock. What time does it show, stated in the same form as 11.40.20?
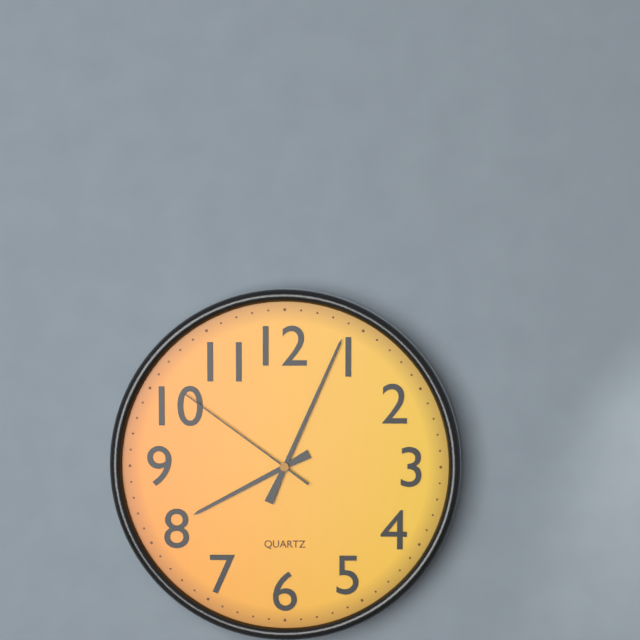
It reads 8.04.51
